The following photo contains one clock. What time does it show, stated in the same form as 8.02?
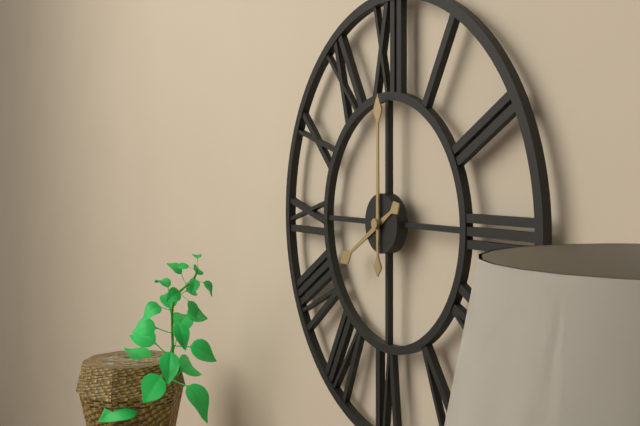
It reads 8.00
